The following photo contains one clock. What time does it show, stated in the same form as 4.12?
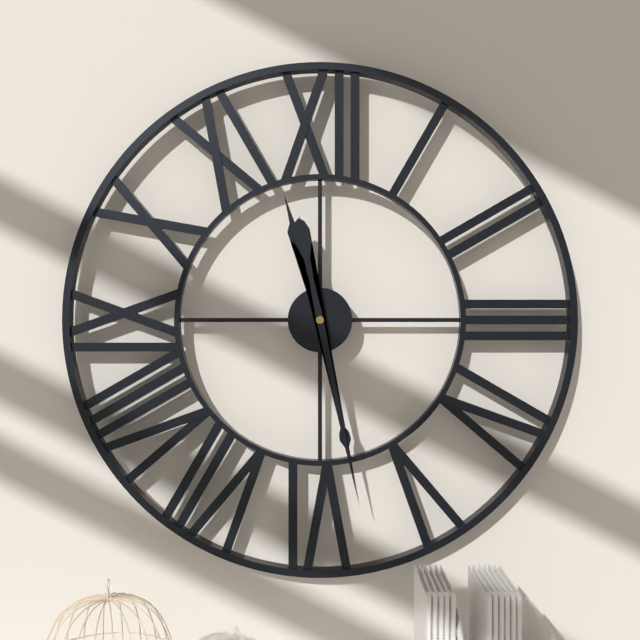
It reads 11.28
